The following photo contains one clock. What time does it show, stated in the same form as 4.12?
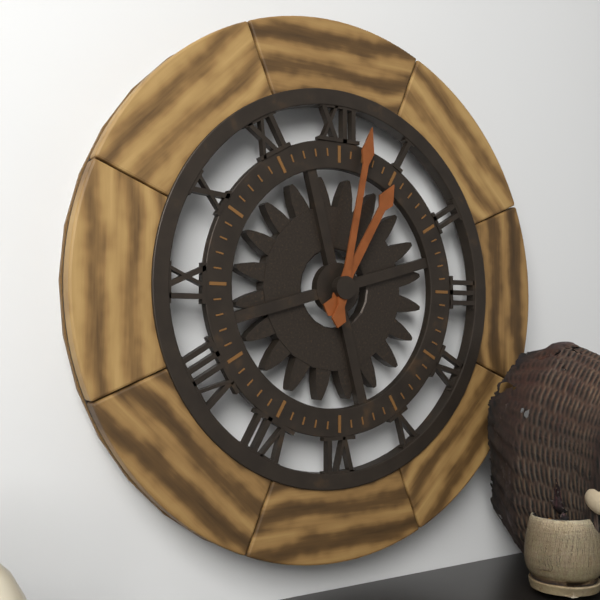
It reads 1.02
